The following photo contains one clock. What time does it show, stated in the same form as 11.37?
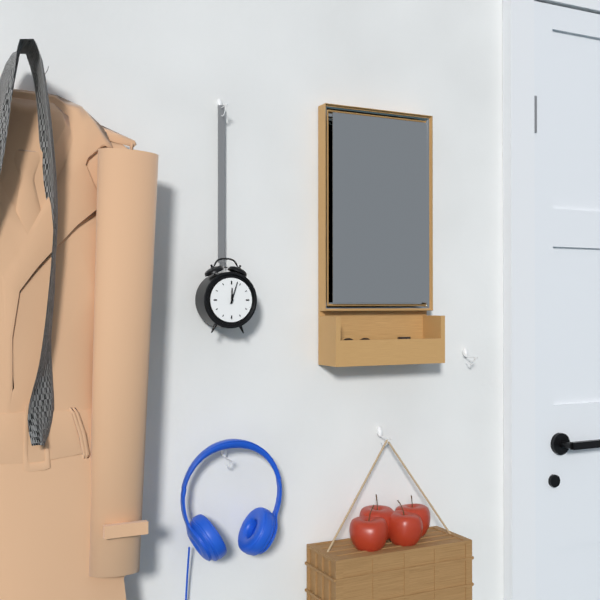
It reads 12.03
